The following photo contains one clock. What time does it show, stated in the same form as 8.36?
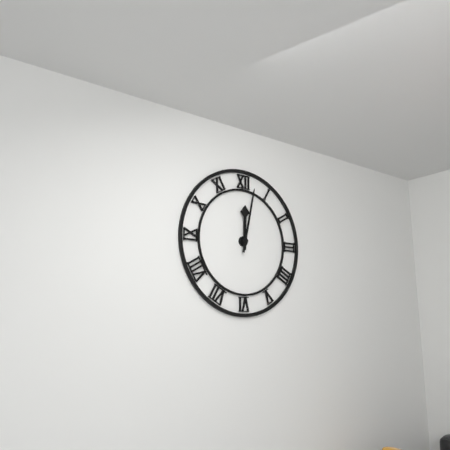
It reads 12.02
